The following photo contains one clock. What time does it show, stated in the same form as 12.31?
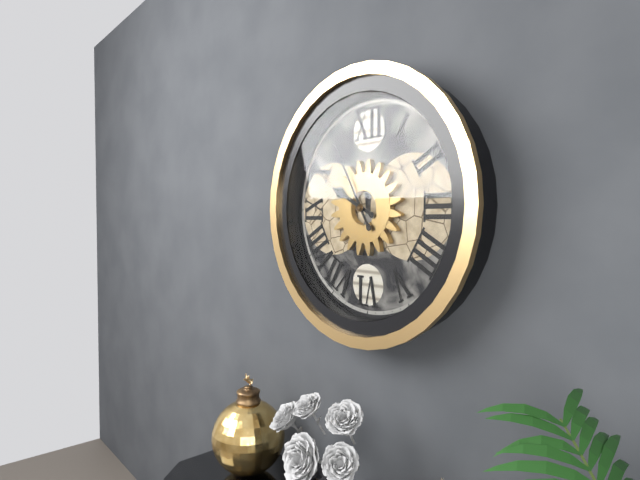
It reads 9.55
